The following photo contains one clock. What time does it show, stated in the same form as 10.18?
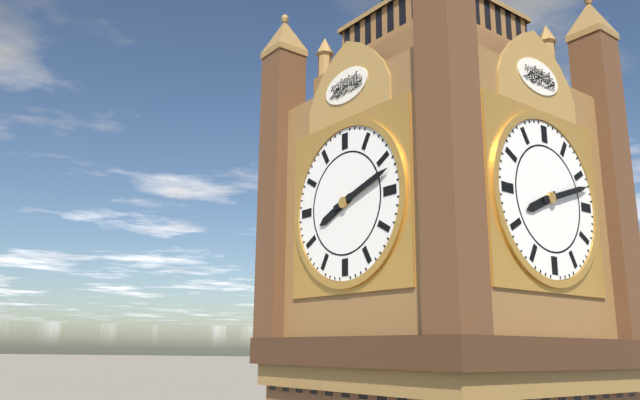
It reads 8.12
